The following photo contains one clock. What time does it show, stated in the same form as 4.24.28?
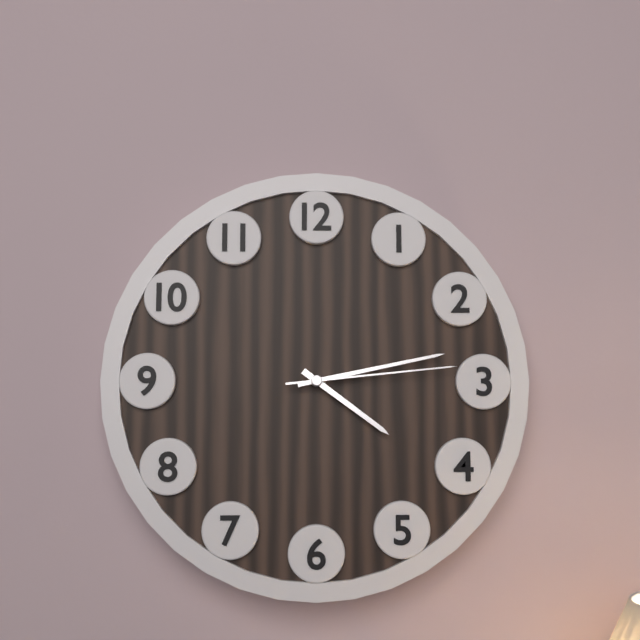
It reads 4.13.14
